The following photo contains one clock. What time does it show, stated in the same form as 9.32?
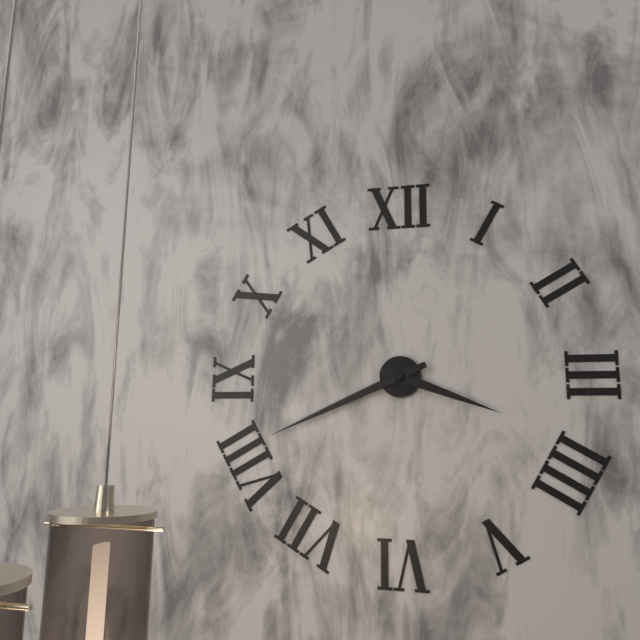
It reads 3.41
